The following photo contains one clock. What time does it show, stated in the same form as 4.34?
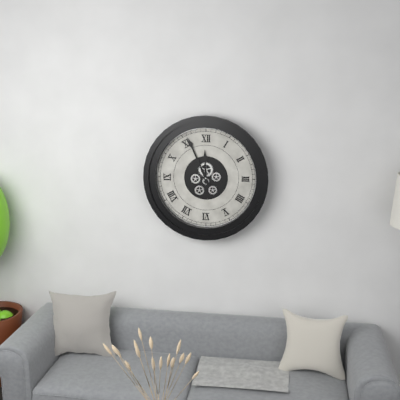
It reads 11.56
